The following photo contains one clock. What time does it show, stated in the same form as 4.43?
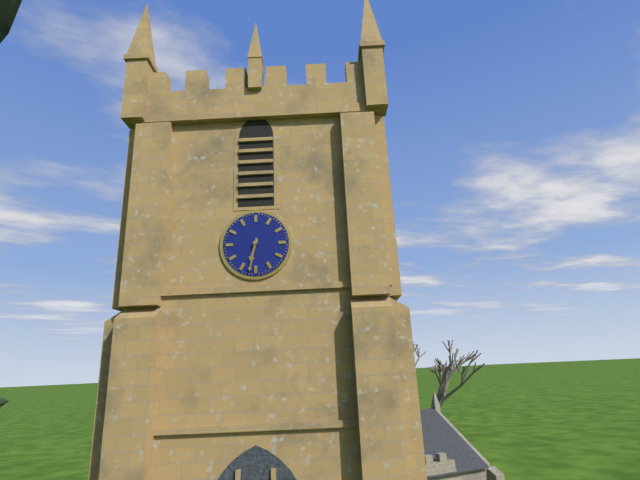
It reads 6.32
